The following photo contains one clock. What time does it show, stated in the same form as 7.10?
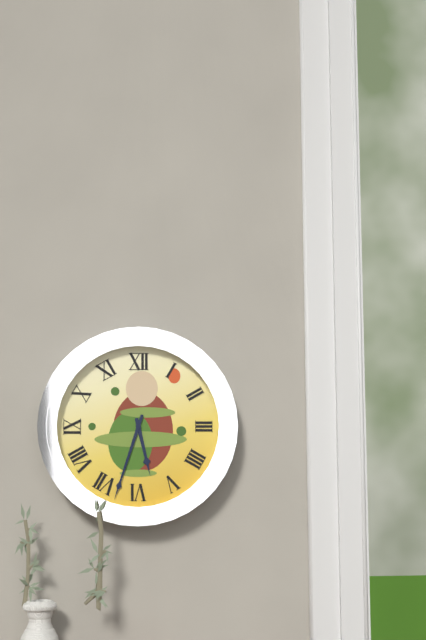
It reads 5.33
